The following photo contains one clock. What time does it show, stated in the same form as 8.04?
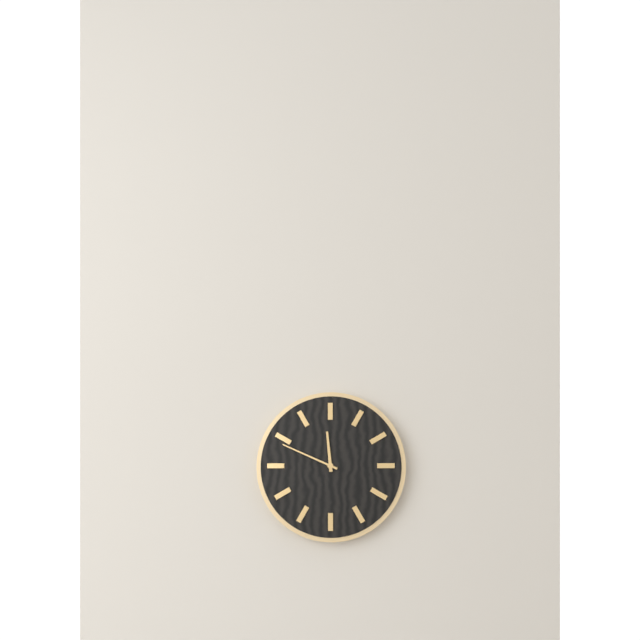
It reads 11.49
